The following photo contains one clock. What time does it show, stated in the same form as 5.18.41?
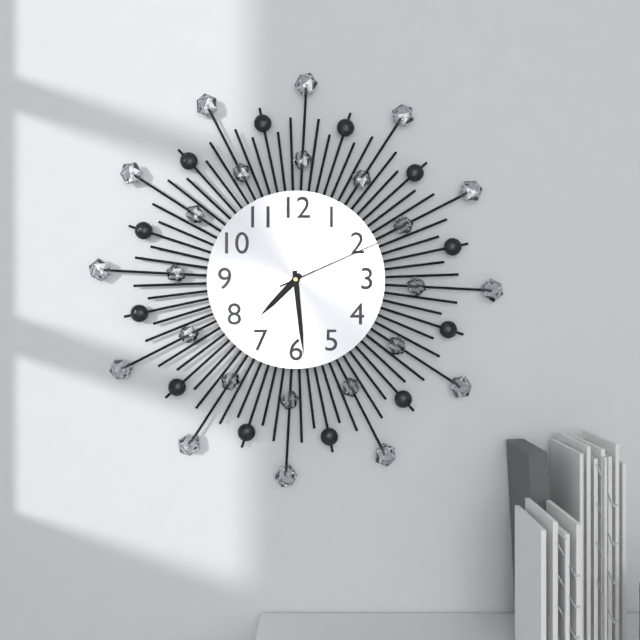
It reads 7.29.11
